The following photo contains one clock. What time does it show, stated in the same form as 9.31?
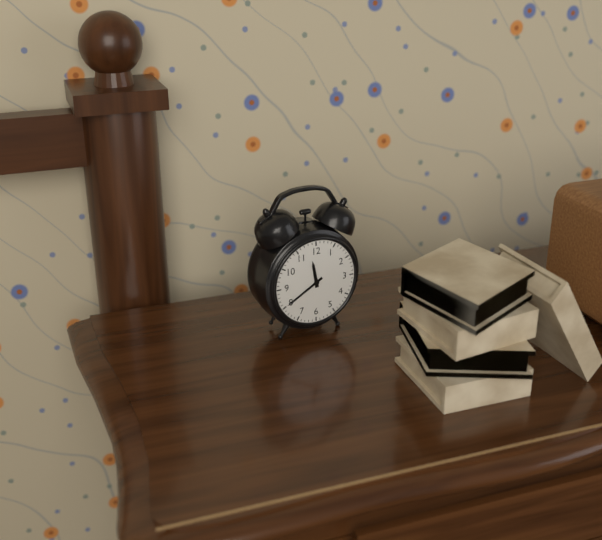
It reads 11.40
